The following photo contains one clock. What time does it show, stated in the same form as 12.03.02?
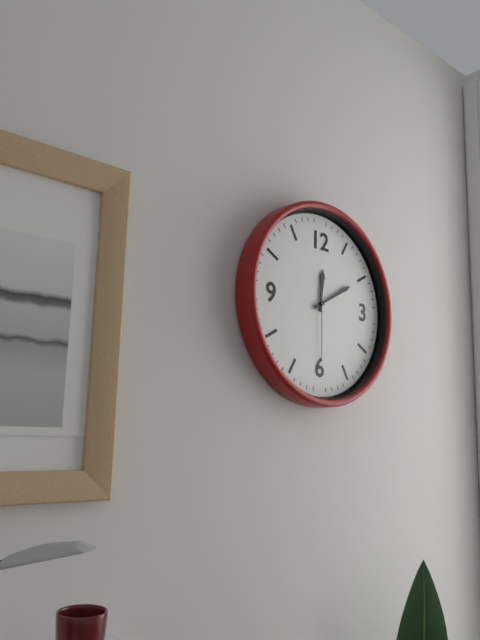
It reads 12.10.30
